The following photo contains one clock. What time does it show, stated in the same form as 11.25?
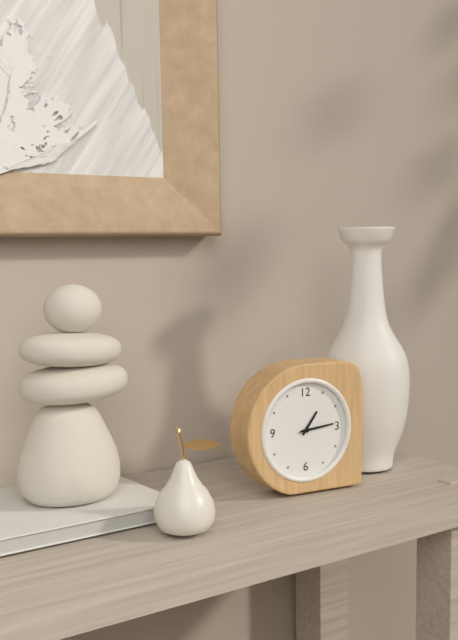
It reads 1.14
